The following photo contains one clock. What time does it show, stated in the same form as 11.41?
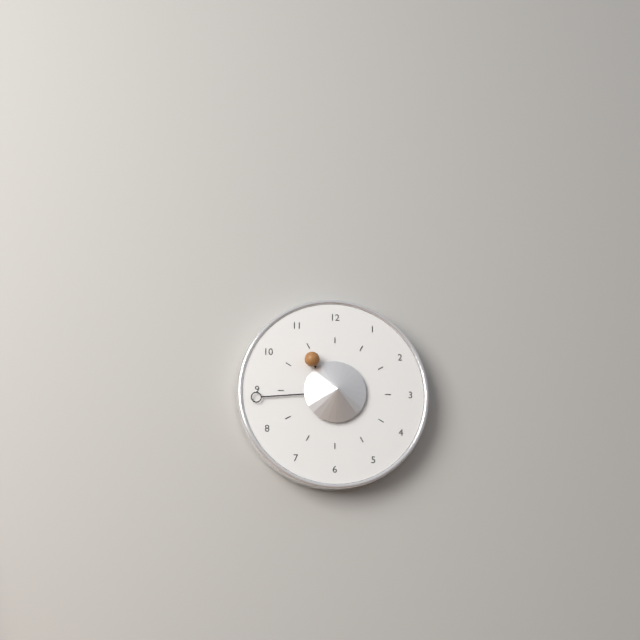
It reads 10.44
